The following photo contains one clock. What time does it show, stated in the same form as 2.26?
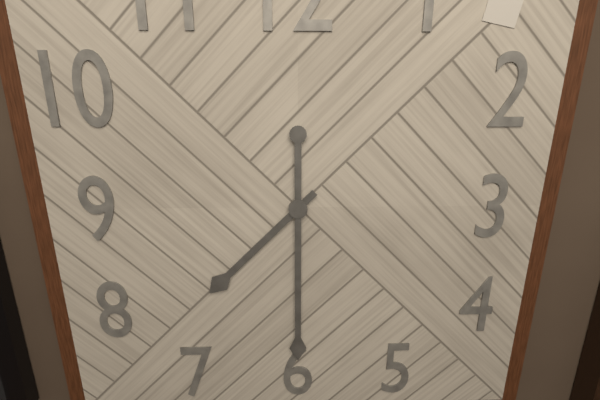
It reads 7.30
